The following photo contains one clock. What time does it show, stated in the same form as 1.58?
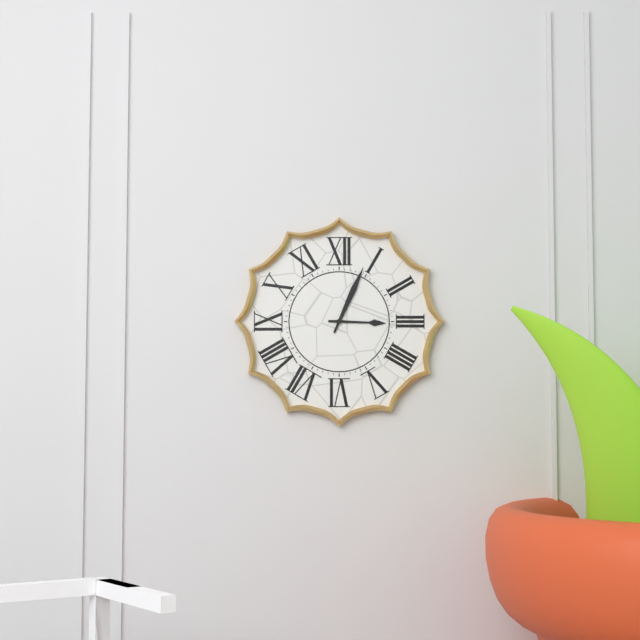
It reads 3.04
